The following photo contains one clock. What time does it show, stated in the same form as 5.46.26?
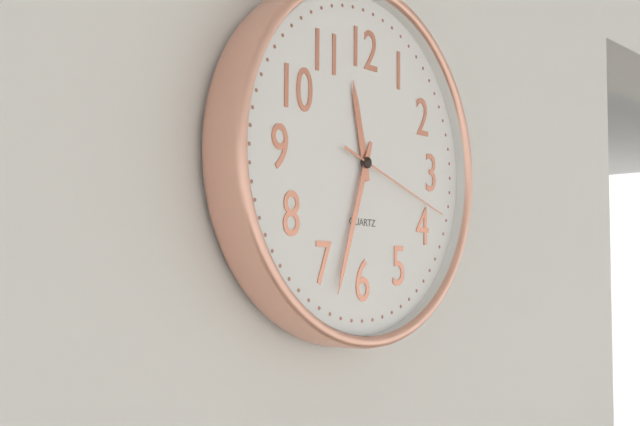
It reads 11.33.18
